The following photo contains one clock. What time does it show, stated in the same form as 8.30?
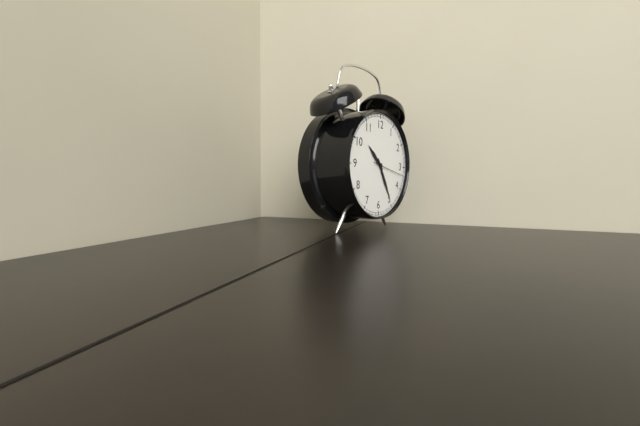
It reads 10.25
